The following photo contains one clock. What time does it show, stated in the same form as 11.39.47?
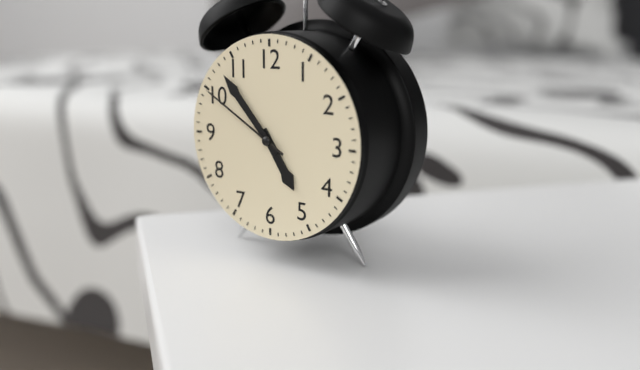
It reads 4.53.50
